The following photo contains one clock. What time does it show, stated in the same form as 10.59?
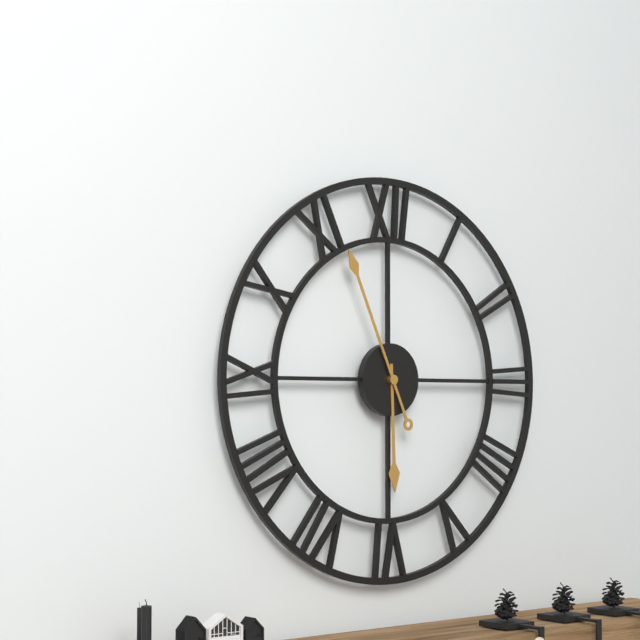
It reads 5.56
